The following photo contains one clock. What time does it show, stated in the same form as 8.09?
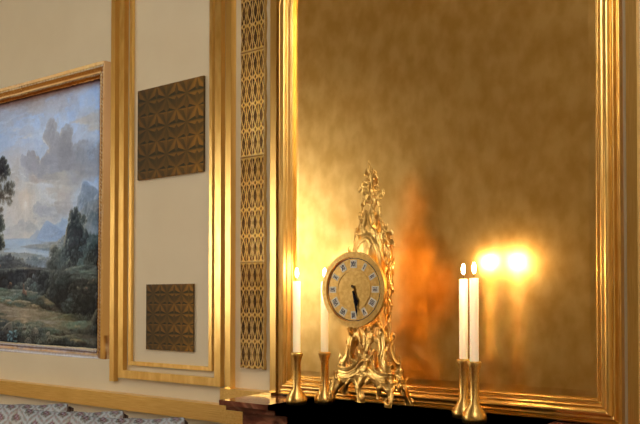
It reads 5.28
